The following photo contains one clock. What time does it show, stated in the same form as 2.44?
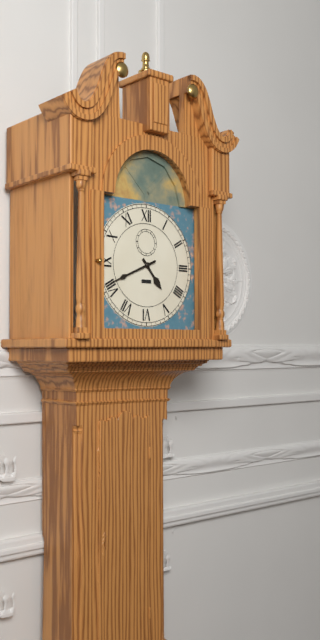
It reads 4.41
